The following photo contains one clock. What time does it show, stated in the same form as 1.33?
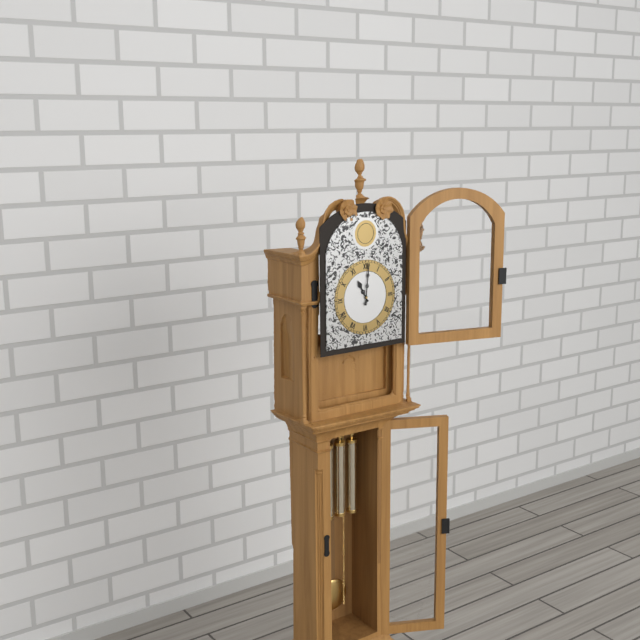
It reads 11.01
